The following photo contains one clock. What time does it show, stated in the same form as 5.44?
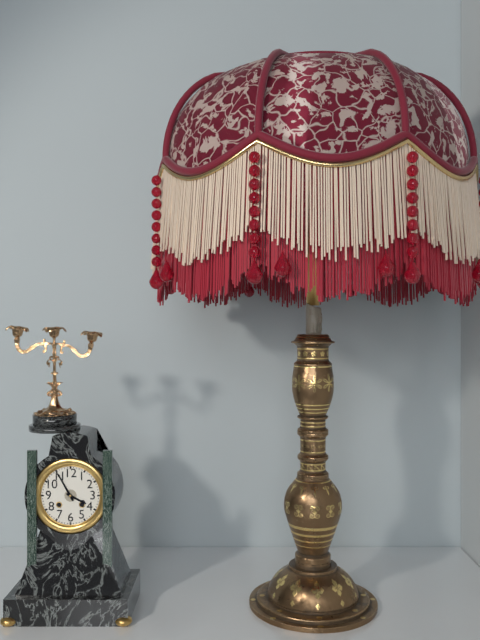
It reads 3.55
